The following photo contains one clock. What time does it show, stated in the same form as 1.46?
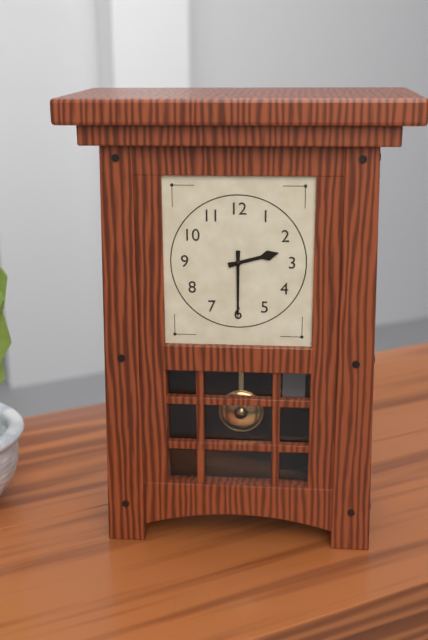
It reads 2.30
